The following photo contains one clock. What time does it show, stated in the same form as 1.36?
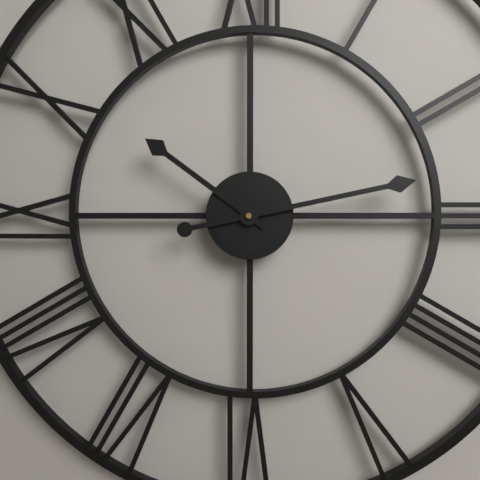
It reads 10.13
